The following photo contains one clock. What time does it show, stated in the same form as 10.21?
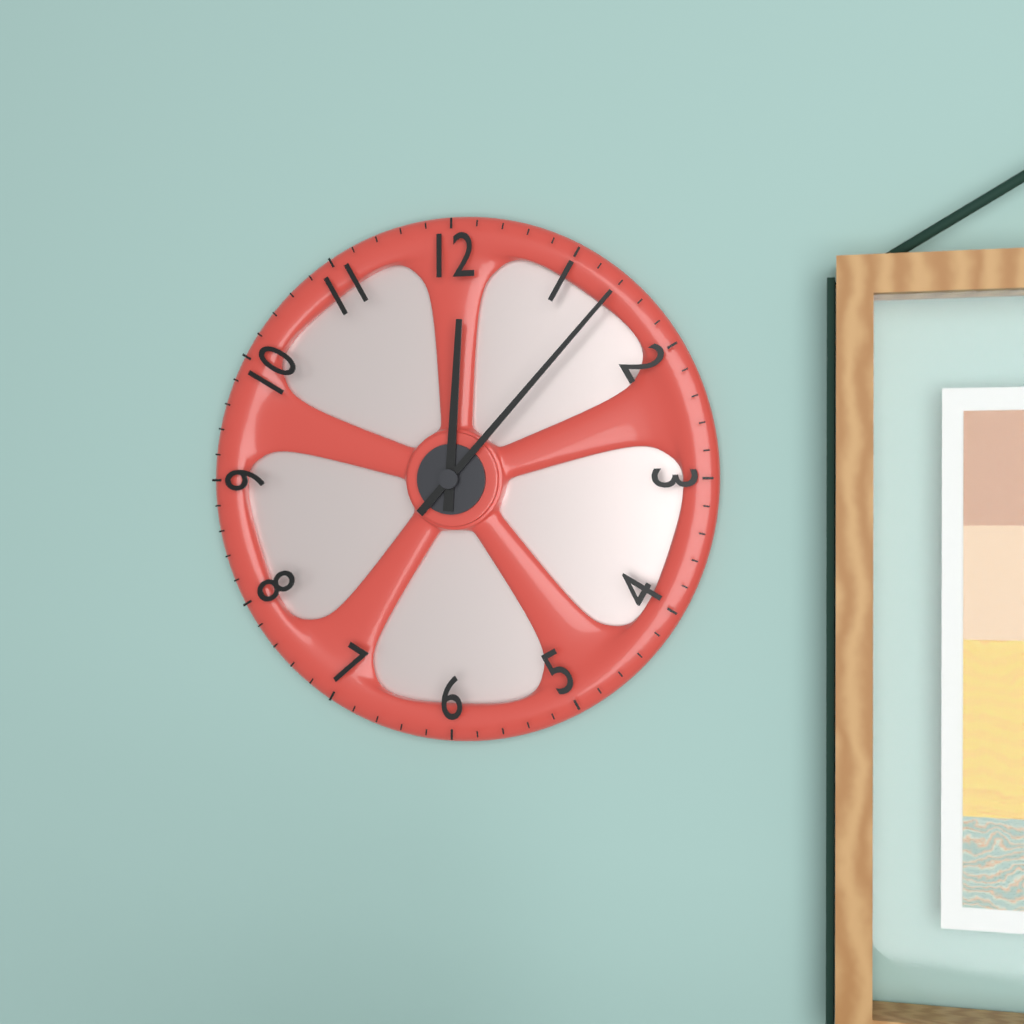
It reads 12.07
